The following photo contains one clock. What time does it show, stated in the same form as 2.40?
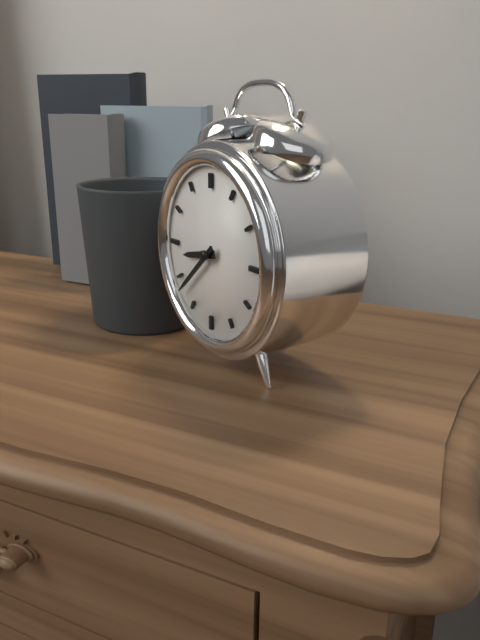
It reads 8.38
